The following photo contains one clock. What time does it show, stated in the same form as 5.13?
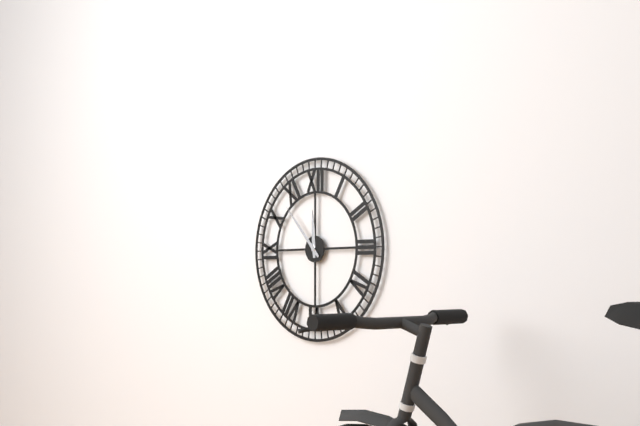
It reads 11.53
